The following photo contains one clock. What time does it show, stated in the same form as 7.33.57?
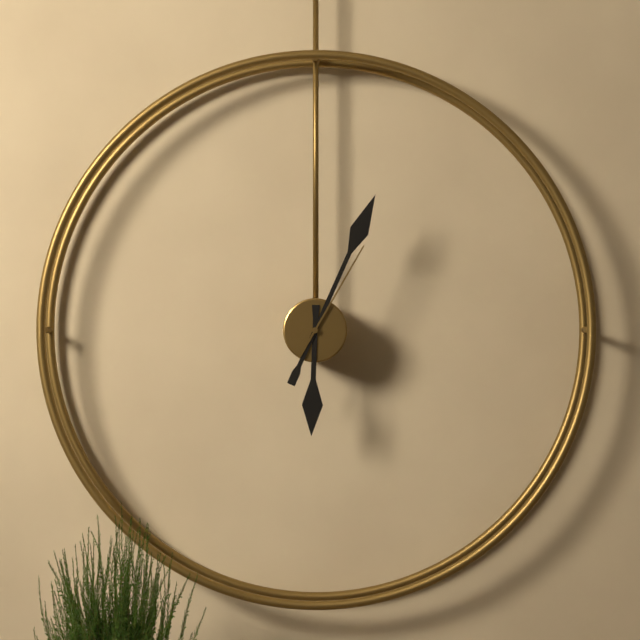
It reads 6.04.05
